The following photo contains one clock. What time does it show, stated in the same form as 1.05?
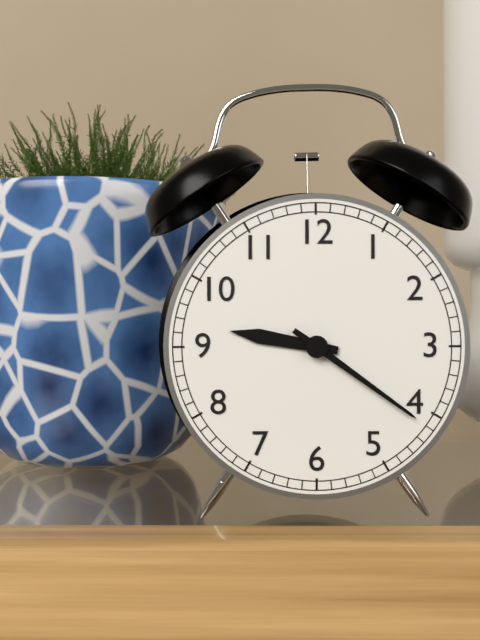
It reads 9.21
